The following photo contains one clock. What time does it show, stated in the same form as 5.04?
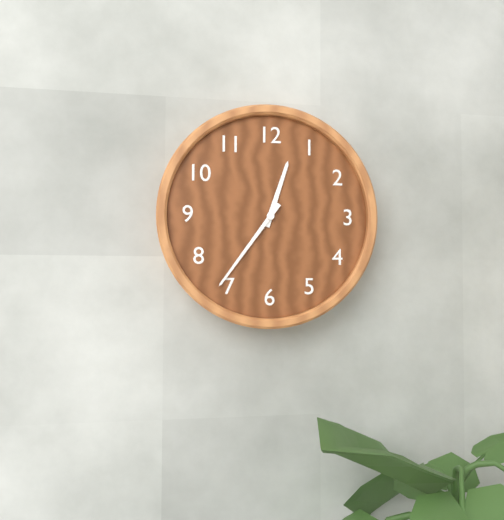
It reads 12.36
